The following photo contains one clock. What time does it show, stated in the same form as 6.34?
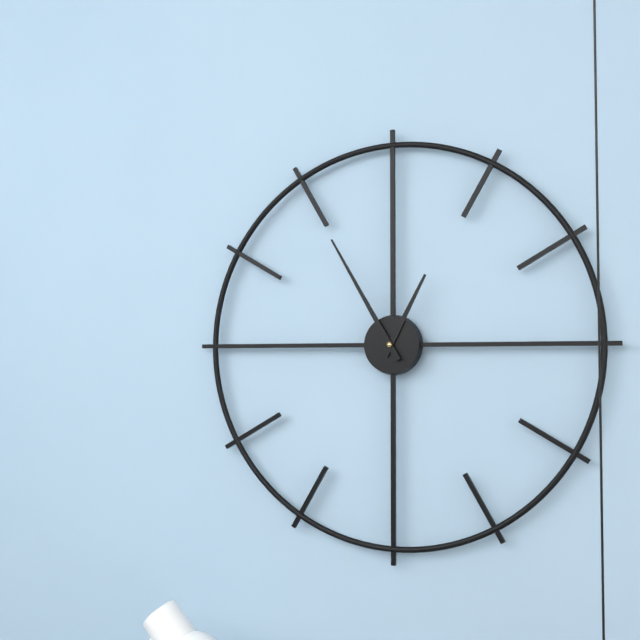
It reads 12.55
